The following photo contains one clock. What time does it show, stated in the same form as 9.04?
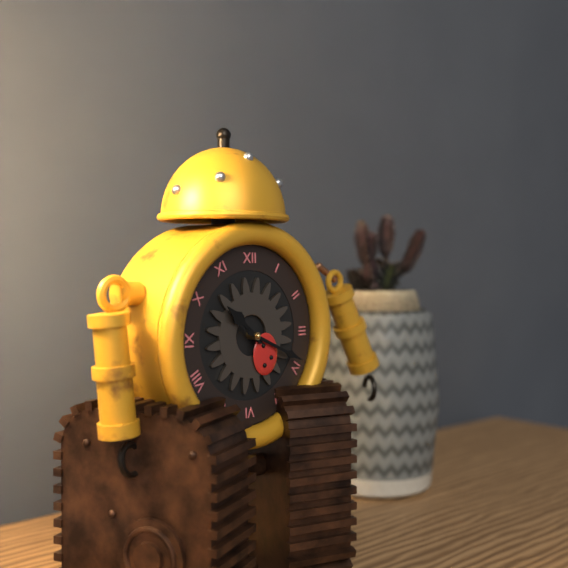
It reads 10.19
